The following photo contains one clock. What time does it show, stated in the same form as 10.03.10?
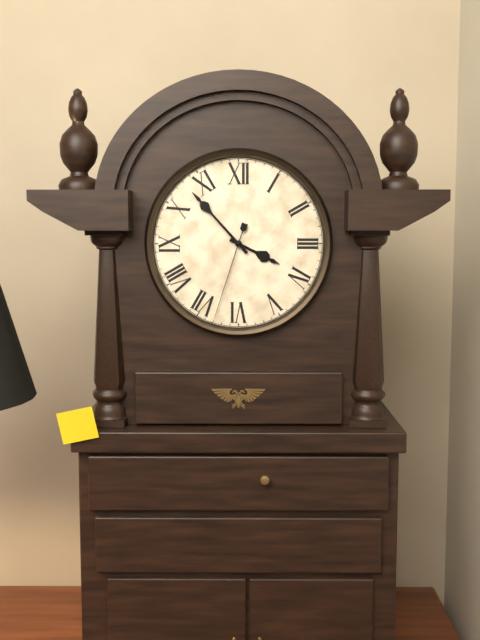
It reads 3.53.33
